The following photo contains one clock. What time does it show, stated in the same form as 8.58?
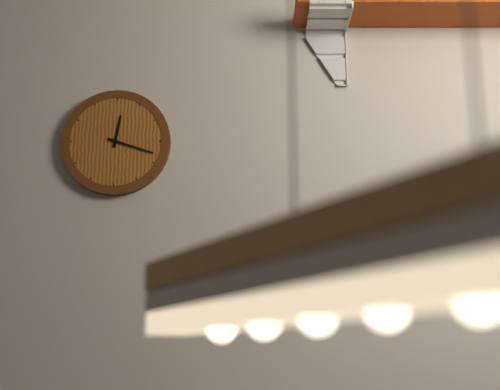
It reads 12.18
